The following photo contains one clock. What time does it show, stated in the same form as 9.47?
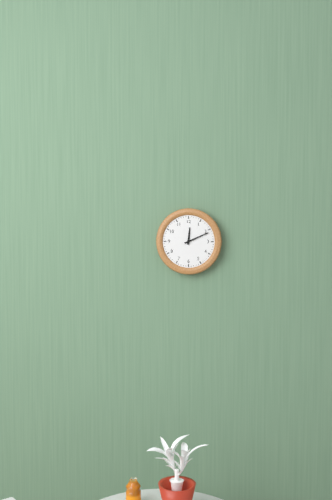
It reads 12.11
